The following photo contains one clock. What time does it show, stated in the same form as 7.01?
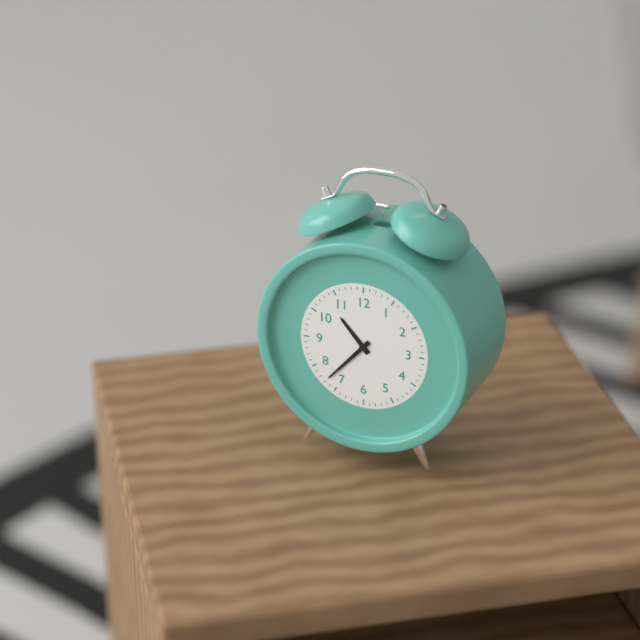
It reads 10.37
